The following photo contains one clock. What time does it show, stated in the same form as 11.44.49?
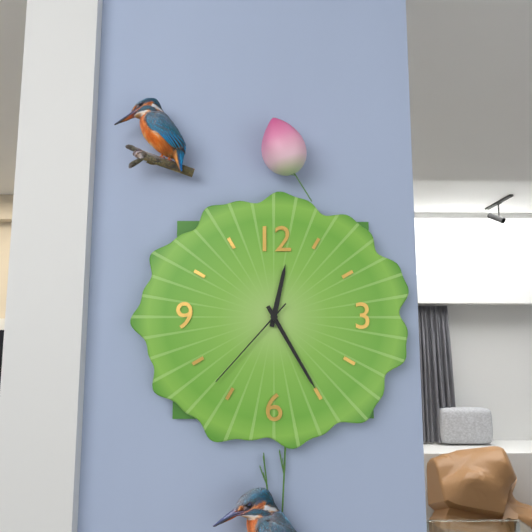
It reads 12.25.37
